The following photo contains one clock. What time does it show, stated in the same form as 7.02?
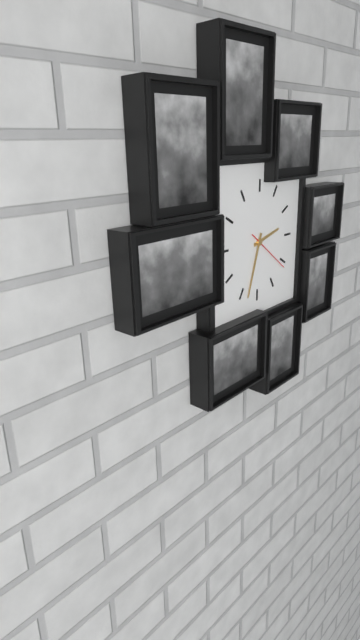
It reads 2.33
